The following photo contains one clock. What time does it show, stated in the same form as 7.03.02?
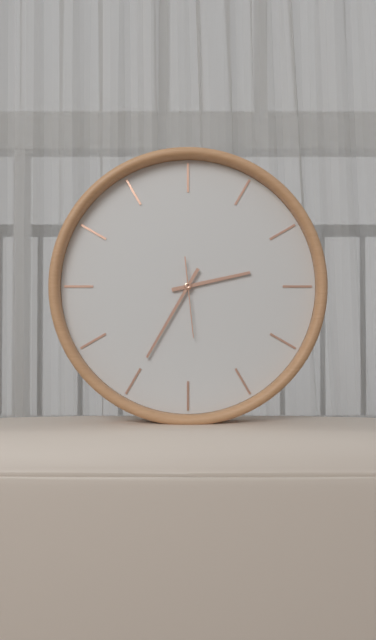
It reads 2.35.29
